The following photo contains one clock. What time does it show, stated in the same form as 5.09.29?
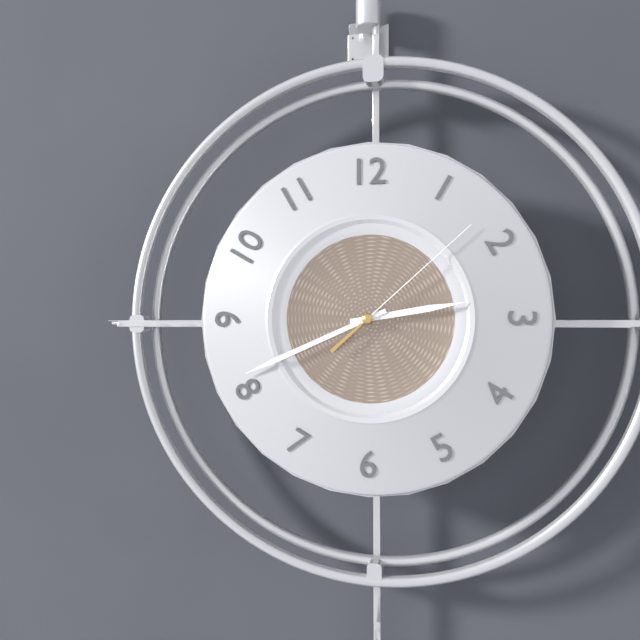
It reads 2.41.08
